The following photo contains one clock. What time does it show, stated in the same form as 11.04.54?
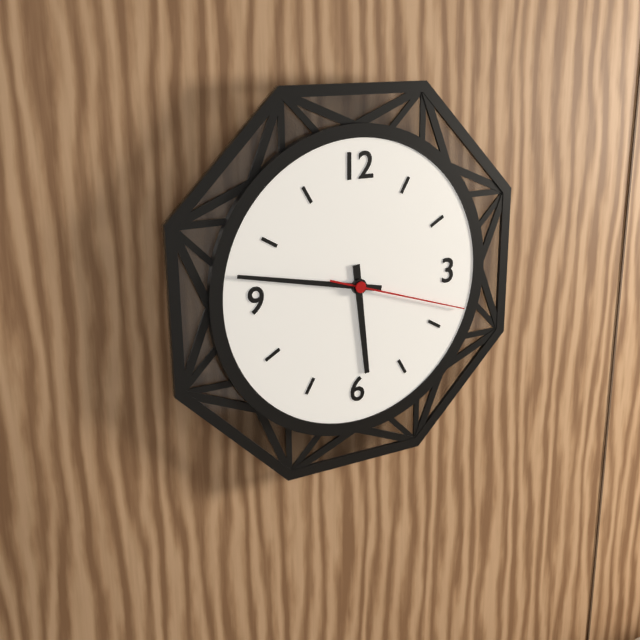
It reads 5.47.18
